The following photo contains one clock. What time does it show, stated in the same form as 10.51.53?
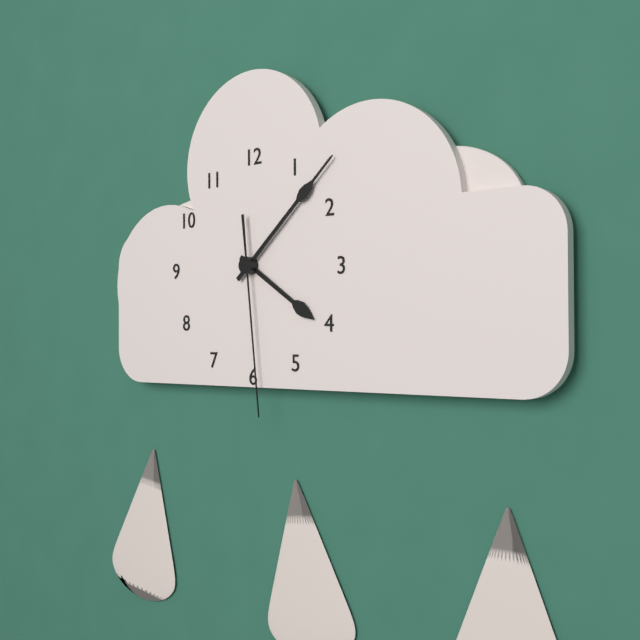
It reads 4.08.29
